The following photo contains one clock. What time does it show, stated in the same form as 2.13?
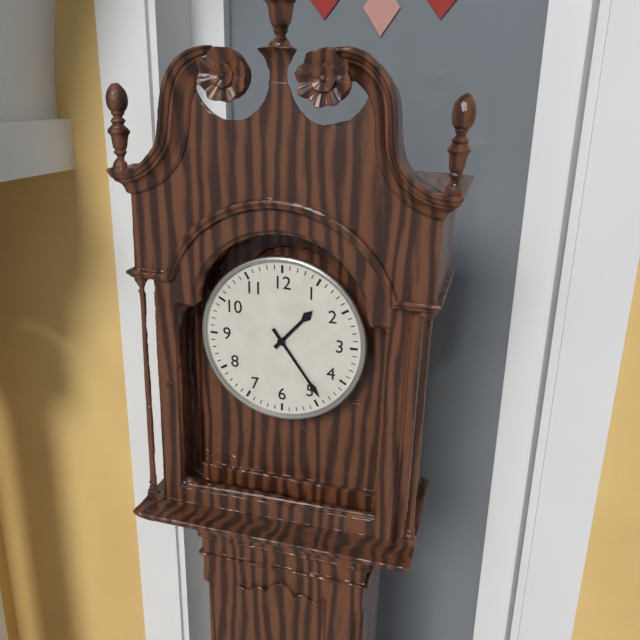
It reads 1.24
